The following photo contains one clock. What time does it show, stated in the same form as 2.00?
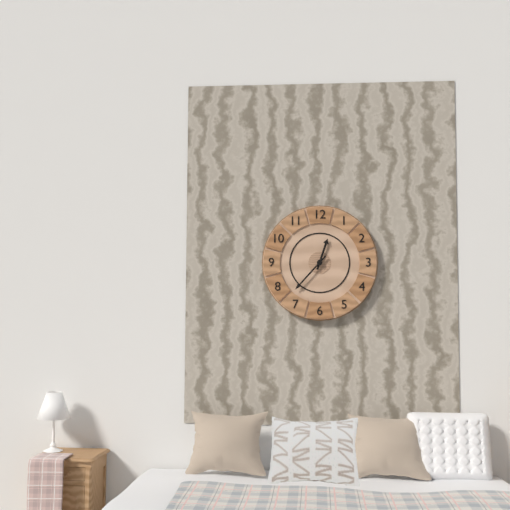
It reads 12.37
